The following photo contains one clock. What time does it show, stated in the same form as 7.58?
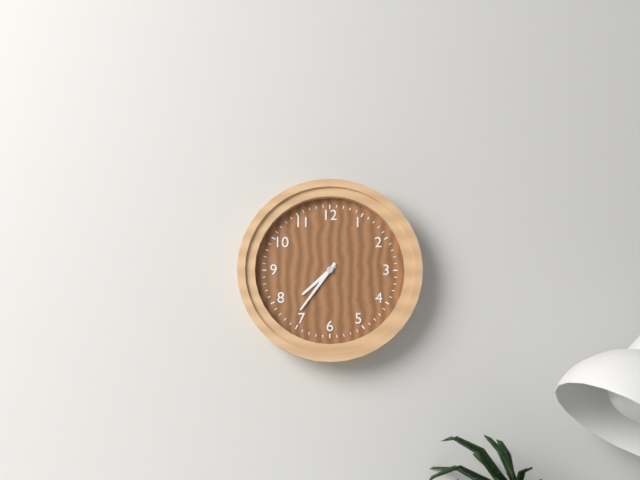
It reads 7.36
